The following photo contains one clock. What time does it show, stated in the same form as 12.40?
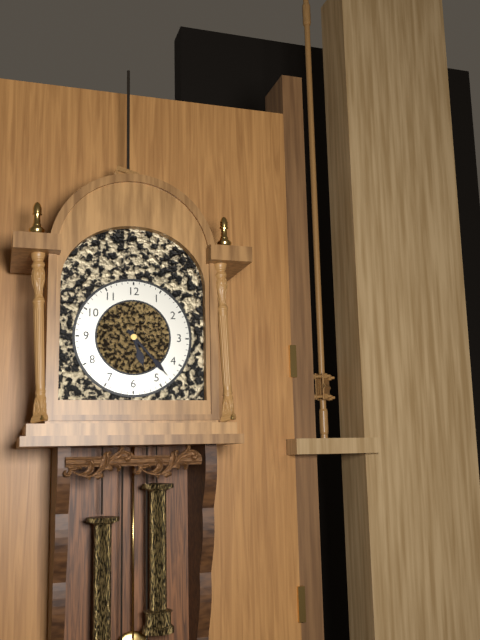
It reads 5.23
